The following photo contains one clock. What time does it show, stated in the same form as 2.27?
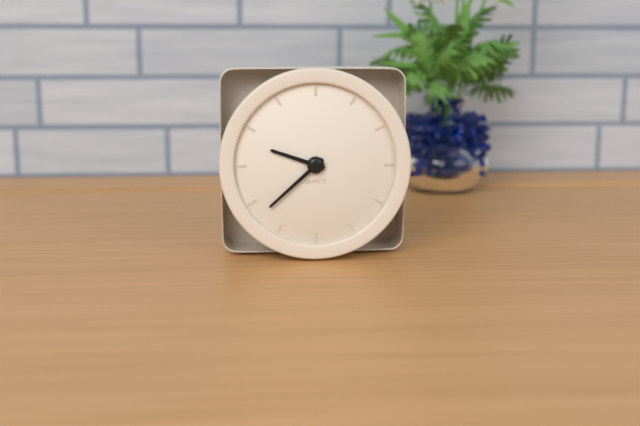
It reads 9.38
